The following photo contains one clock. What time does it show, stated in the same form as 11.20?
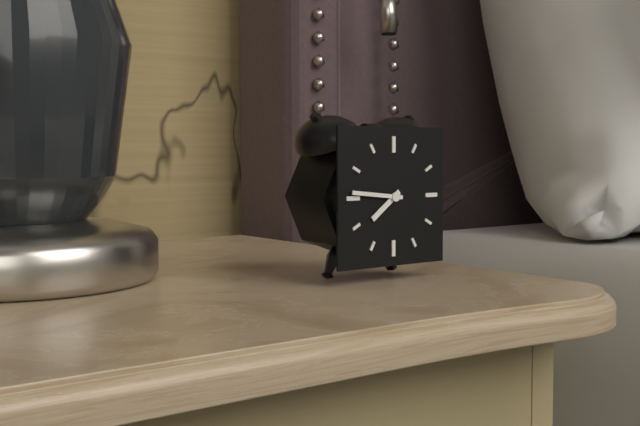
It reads 7.46
